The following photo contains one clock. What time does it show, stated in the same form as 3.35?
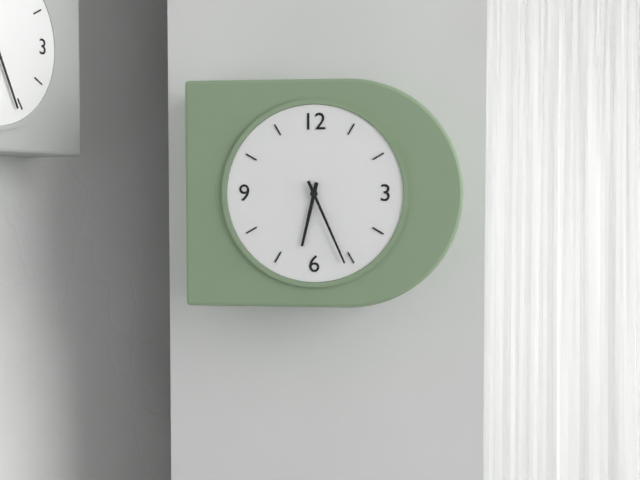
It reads 6.26
